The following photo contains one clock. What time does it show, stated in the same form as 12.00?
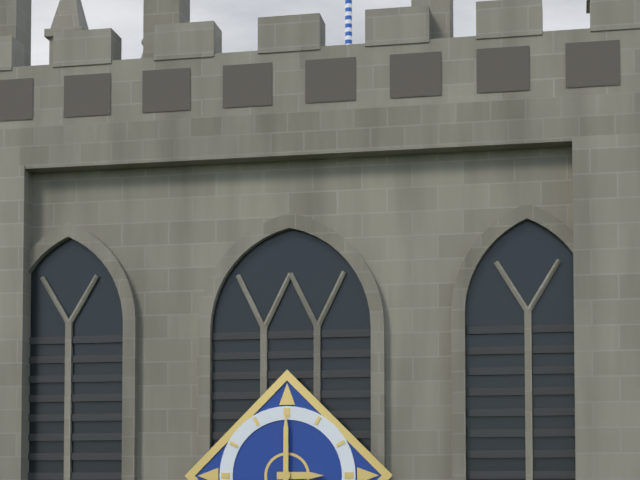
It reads 3.00
